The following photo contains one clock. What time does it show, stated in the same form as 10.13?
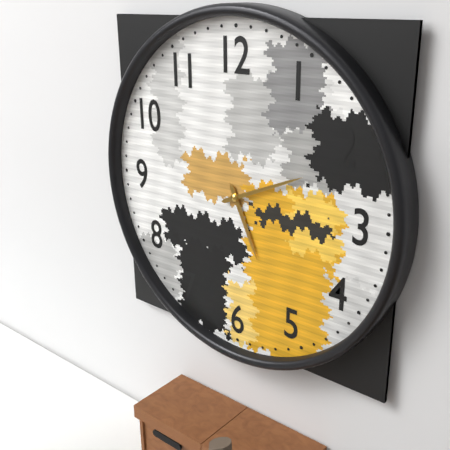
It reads 5.11
